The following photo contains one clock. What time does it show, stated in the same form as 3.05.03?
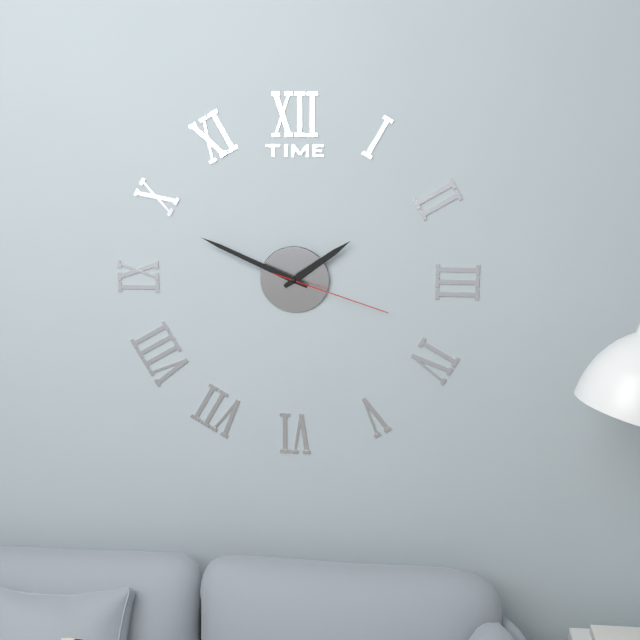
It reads 1.49.18
